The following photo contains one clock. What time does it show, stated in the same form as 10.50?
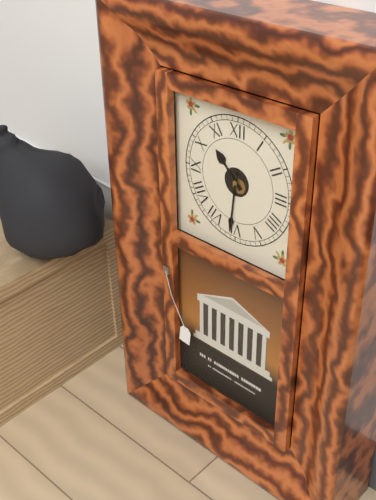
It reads 10.31
